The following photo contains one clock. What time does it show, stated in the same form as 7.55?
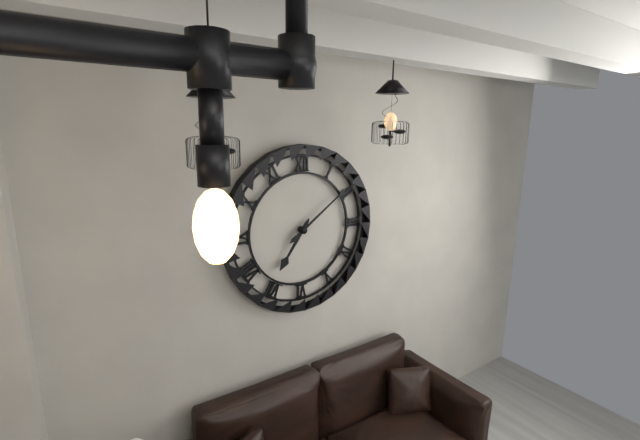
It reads 7.09
